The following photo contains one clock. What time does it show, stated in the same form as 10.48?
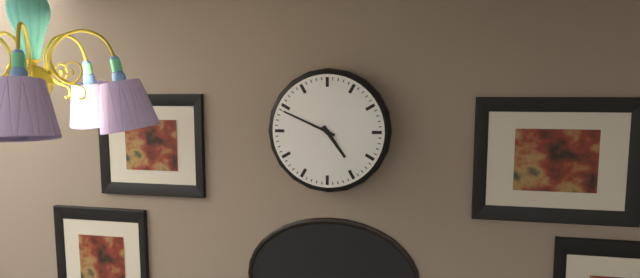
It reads 4.49
